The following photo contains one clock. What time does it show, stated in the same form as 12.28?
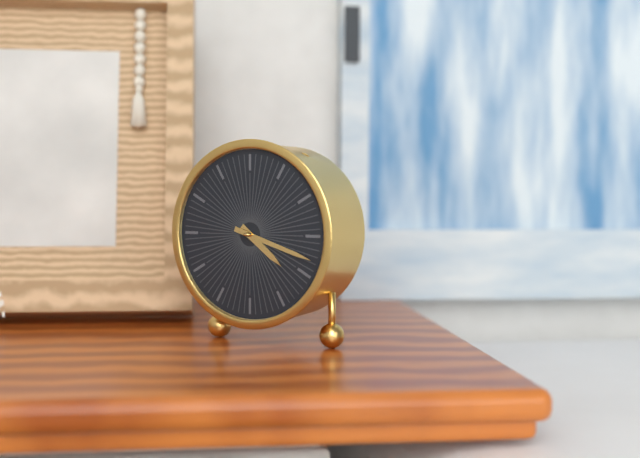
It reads 4.18
